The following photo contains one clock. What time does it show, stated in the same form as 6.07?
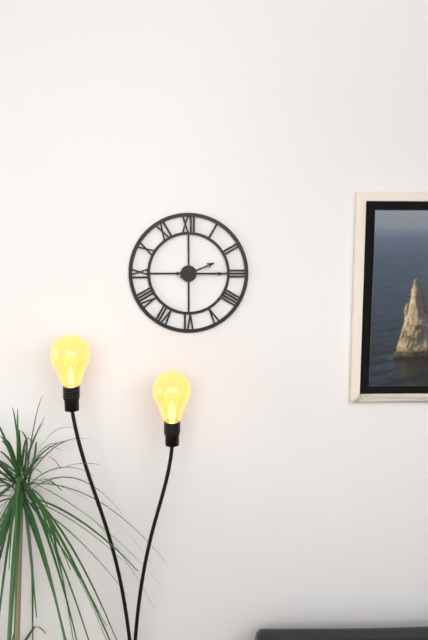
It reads 2.15
